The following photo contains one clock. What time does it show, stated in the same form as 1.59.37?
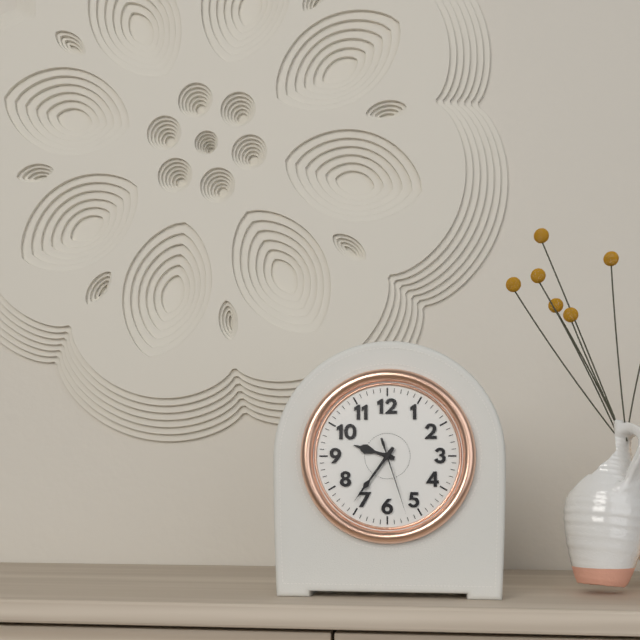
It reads 9.36.27
